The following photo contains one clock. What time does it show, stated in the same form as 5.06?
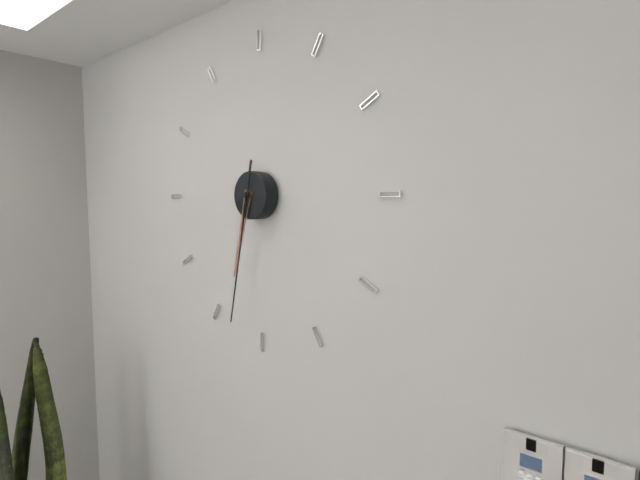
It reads 6.32
